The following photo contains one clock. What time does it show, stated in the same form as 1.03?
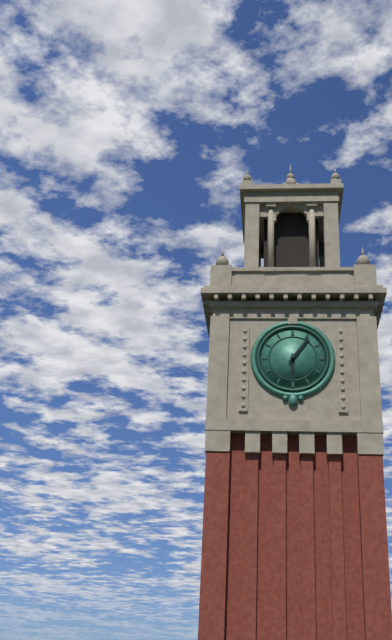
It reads 6.06
